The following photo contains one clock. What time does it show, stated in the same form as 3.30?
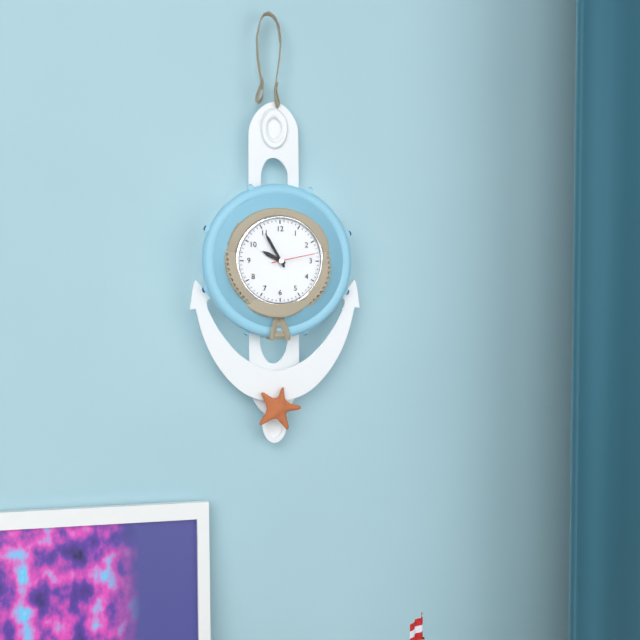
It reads 9.55
